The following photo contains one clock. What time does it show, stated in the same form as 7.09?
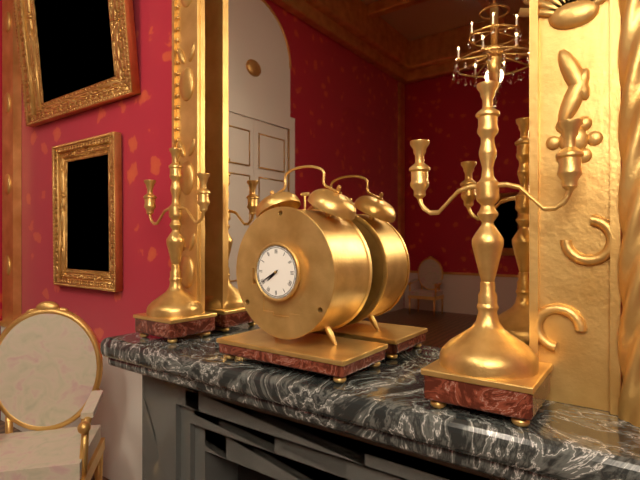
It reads 7.40
